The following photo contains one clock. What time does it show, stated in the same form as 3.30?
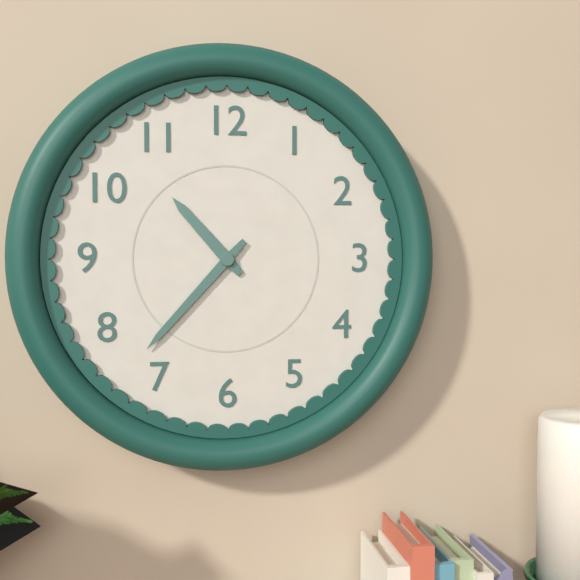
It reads 10.37
